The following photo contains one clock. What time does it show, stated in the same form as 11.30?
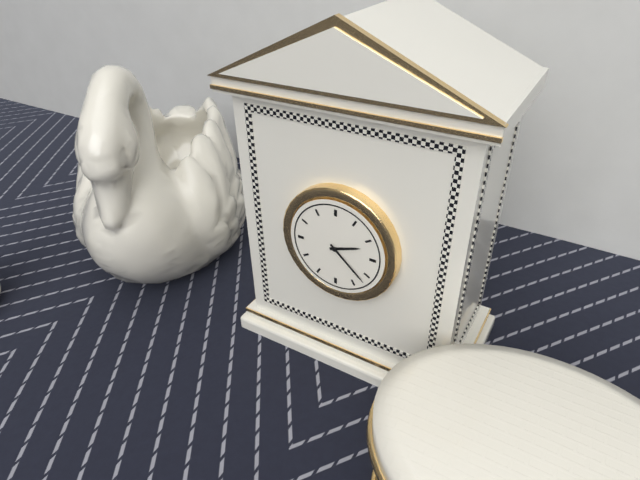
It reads 2.22
